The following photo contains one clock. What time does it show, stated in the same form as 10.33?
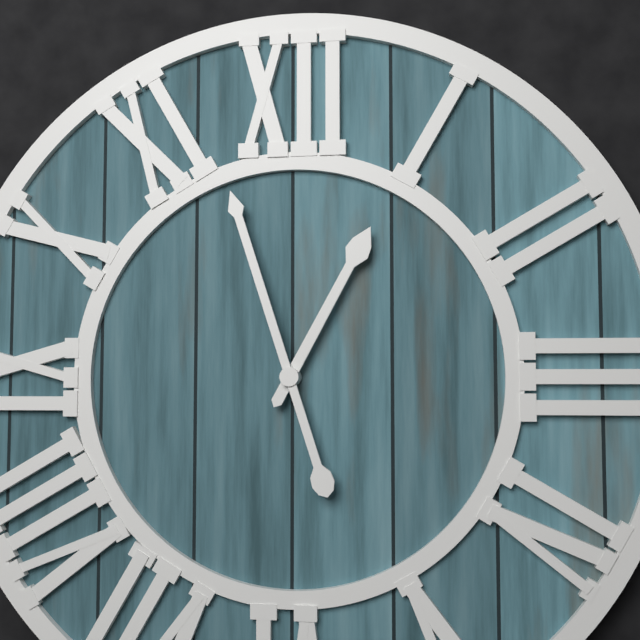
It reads 12.57
